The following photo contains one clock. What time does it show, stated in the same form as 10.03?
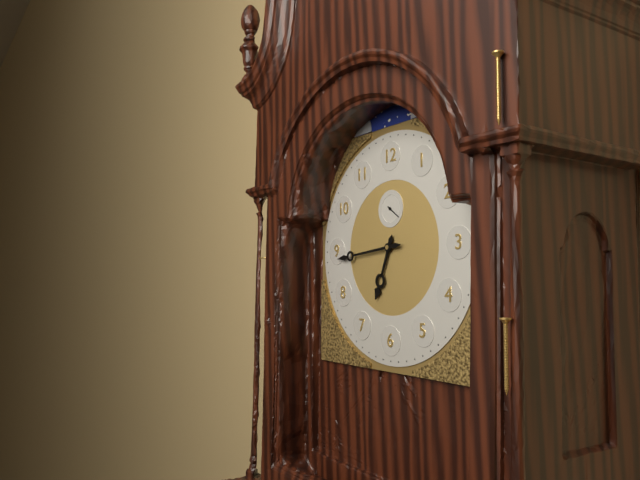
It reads 6.44
